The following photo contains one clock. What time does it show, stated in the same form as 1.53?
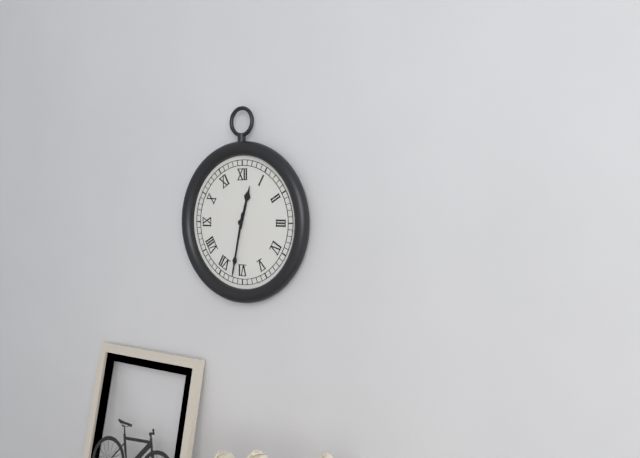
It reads 12.32
